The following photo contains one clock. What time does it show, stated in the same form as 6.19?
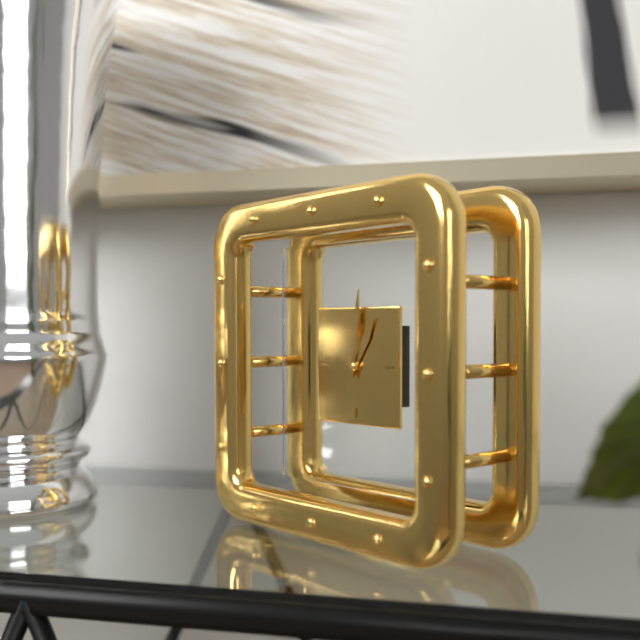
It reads 1.01
